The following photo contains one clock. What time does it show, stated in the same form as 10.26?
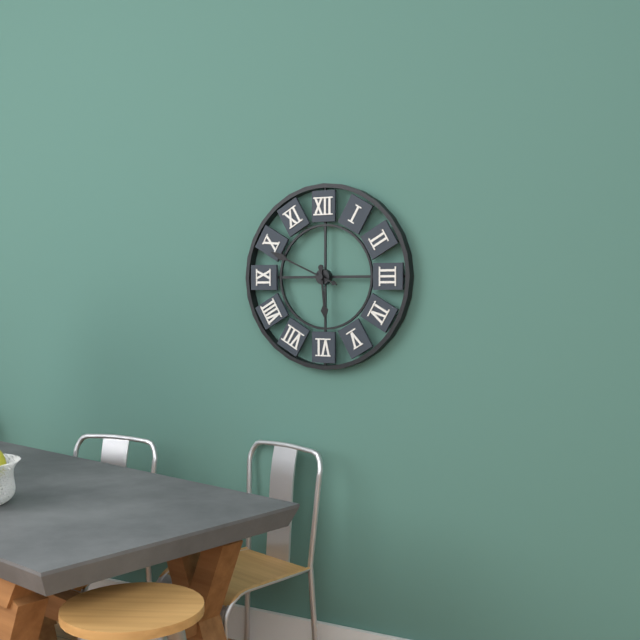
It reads 5.49
